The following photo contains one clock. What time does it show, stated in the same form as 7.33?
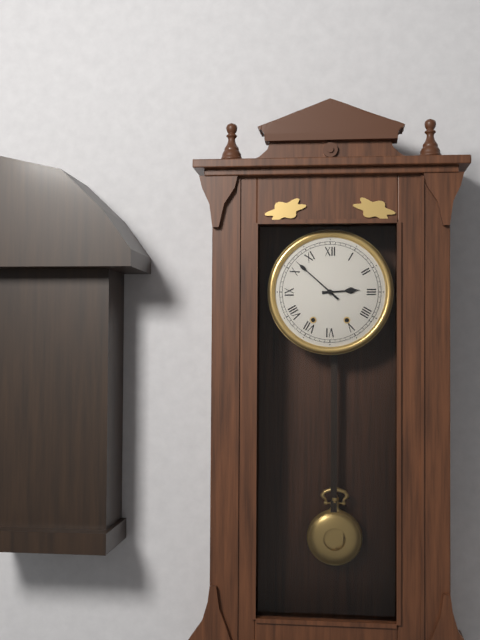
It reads 2.52
